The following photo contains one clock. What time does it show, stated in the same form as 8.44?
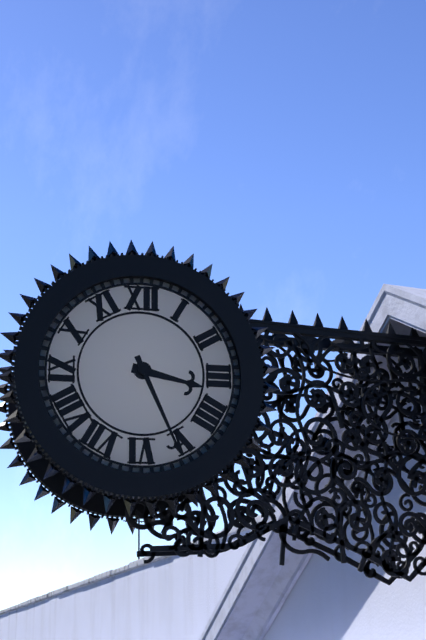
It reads 3.26
